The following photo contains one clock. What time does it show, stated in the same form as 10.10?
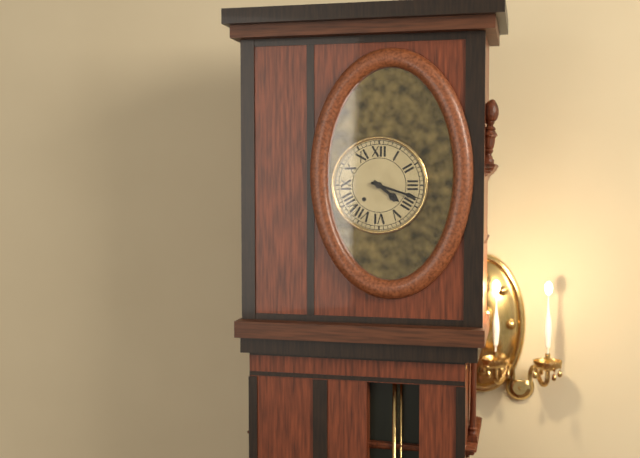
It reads 4.18
